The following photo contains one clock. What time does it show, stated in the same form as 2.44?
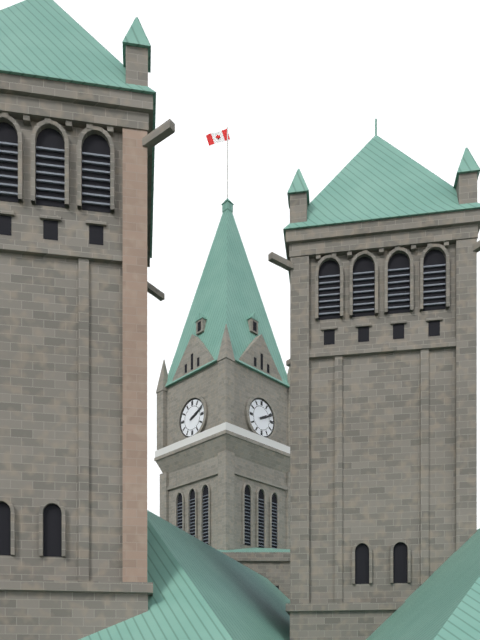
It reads 2.11
